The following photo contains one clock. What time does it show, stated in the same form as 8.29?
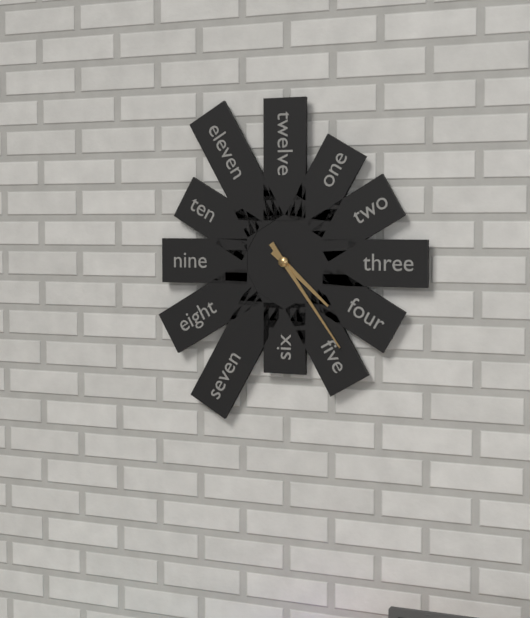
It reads 4.24
